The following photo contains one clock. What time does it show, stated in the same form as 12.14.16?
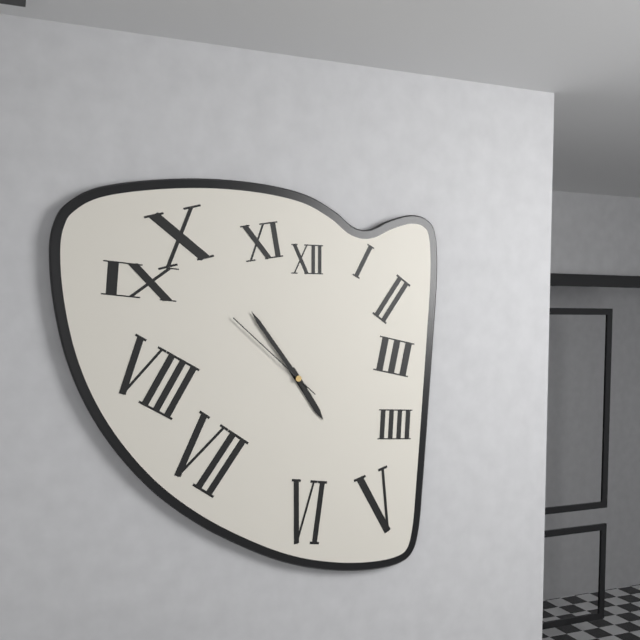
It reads 4.54.52
